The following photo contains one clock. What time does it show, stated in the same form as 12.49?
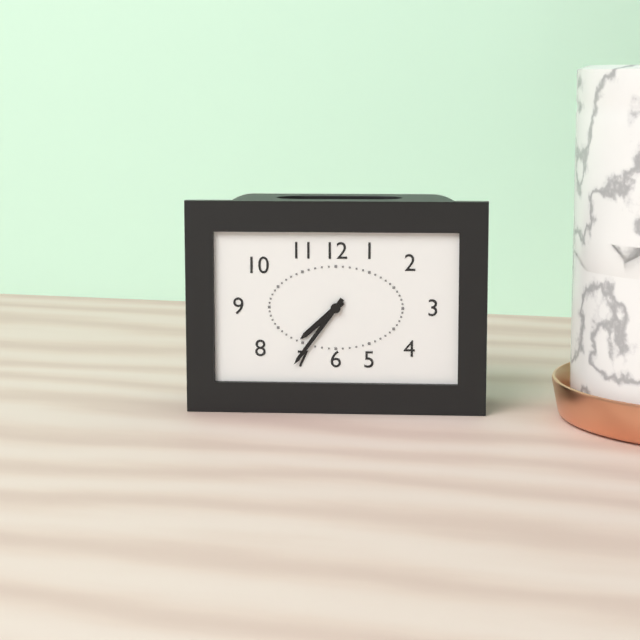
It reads 7.36
